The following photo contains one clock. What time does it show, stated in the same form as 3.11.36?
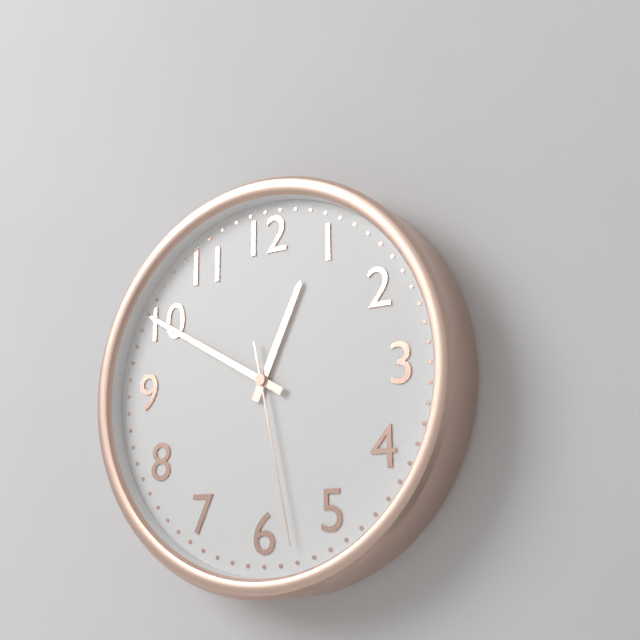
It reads 12.50.28
